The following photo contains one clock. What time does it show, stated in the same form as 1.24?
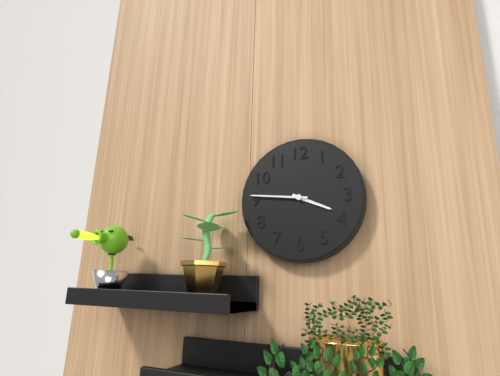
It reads 3.46
